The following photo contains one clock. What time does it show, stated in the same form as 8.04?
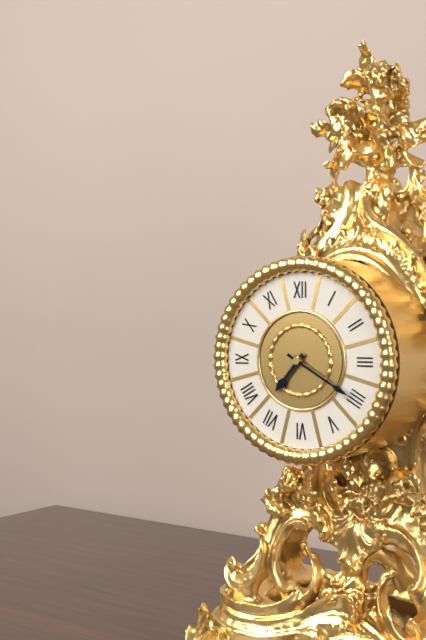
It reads 7.20
